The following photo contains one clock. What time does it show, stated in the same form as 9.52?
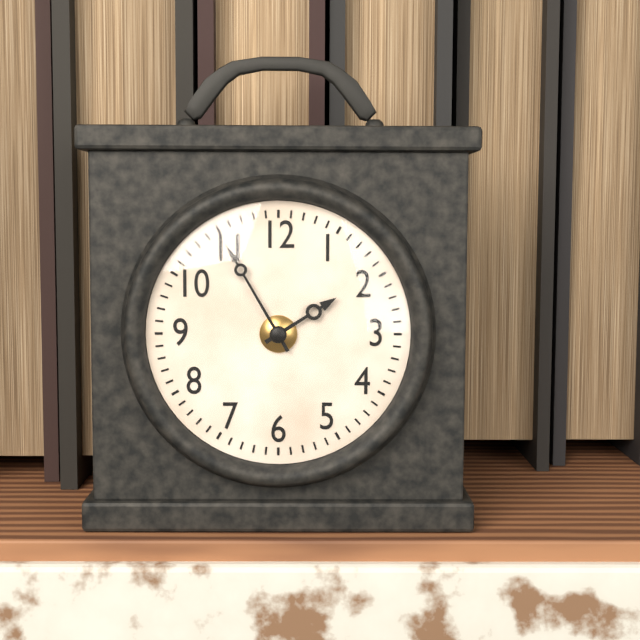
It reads 1.55
